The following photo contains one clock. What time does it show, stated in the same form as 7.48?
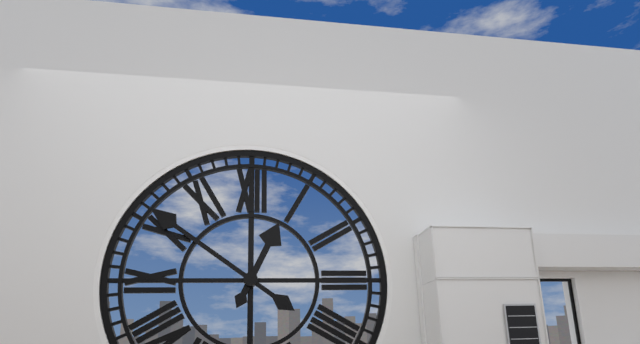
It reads 12.51
